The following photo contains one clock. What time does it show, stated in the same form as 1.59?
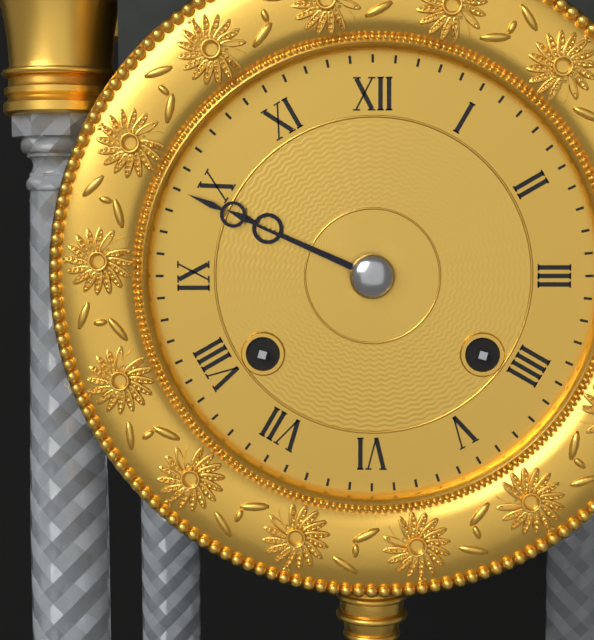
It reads 9.49
